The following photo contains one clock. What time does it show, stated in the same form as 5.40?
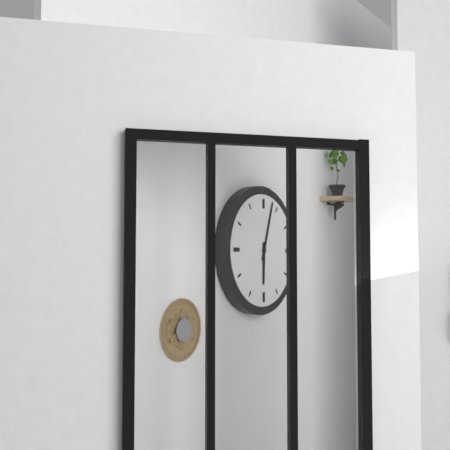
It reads 6.03
